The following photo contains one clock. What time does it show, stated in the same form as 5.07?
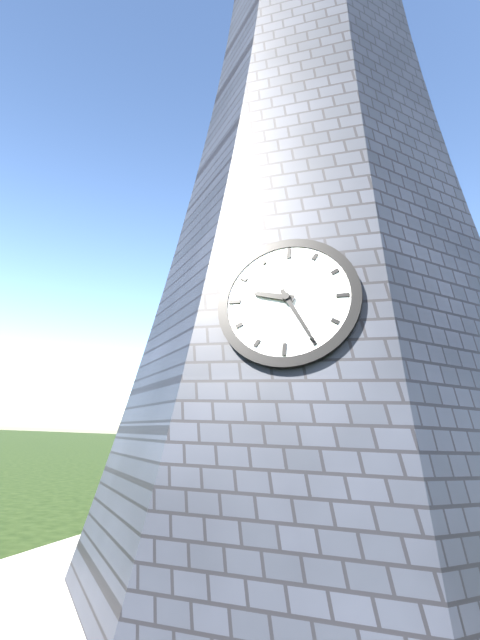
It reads 9.25
